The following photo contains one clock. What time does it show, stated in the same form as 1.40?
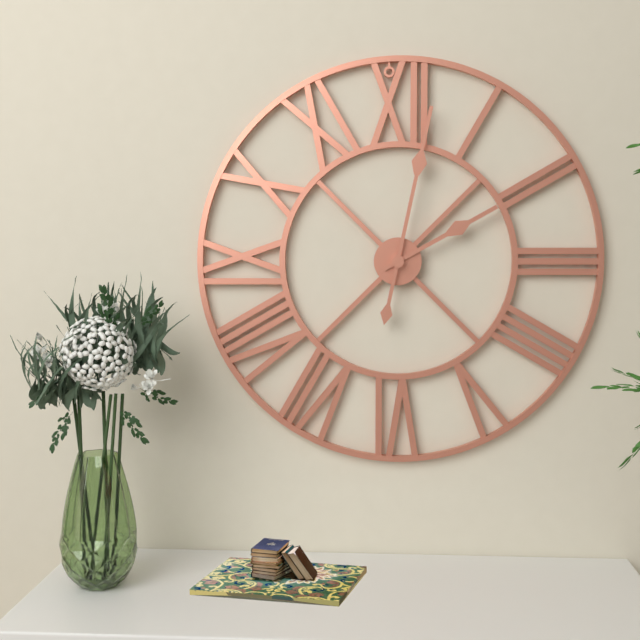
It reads 2.02
